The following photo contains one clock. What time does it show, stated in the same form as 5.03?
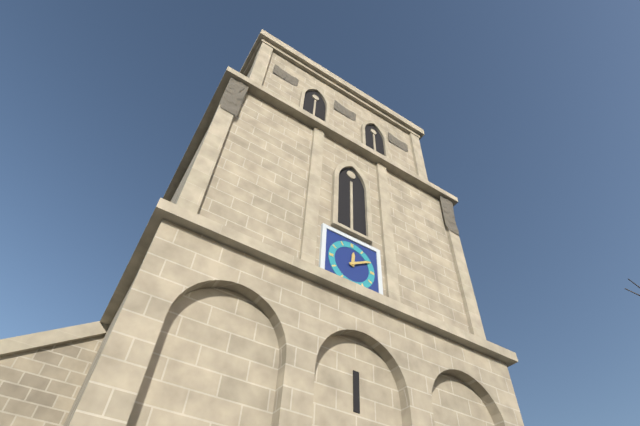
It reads 12.10
